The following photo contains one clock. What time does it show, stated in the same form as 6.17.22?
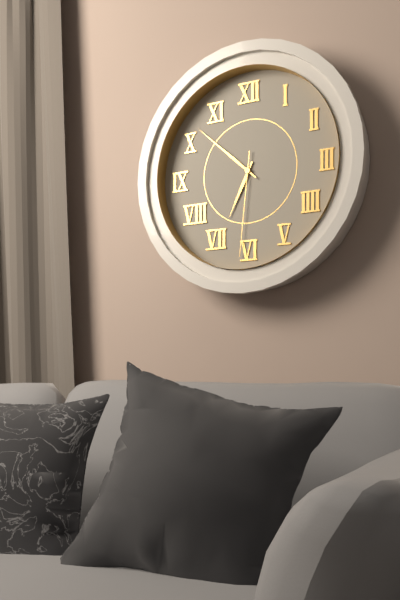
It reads 6.52.31
